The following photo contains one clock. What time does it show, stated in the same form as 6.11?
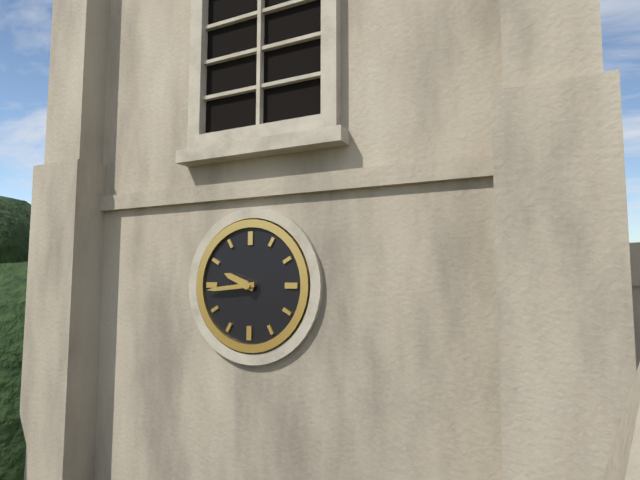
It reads 9.44
